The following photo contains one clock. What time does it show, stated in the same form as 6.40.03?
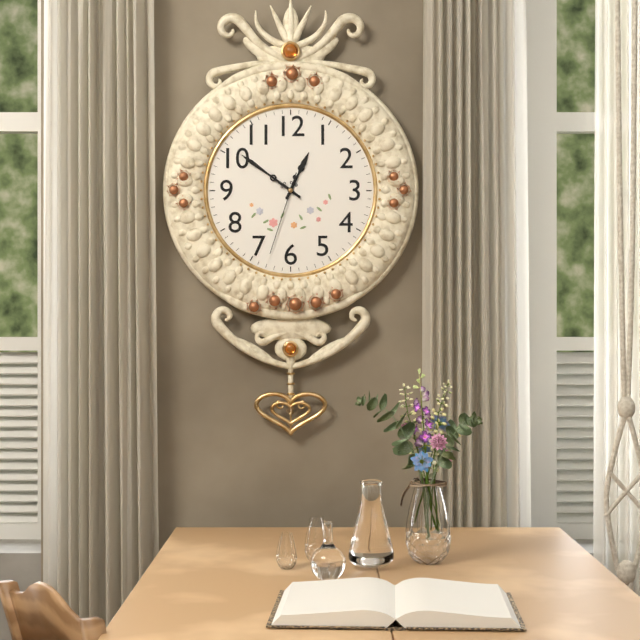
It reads 12.51.33
